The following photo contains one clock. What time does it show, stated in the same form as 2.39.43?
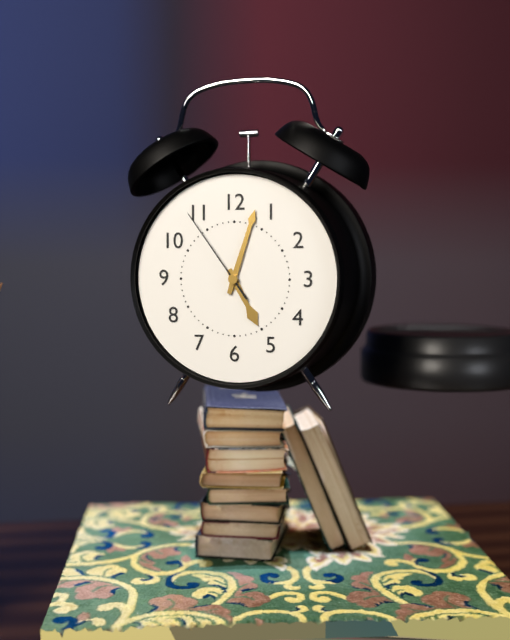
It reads 5.03.54
